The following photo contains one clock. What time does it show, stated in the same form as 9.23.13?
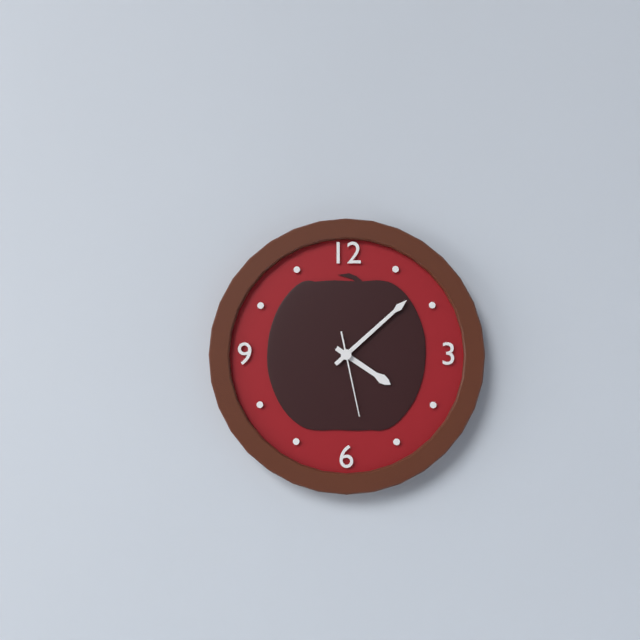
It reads 4.08.28
